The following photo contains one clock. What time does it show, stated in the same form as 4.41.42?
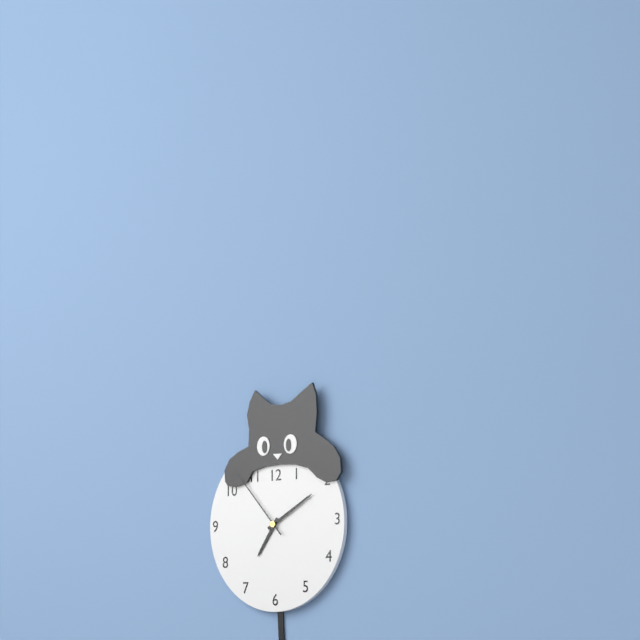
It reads 7.10.53
